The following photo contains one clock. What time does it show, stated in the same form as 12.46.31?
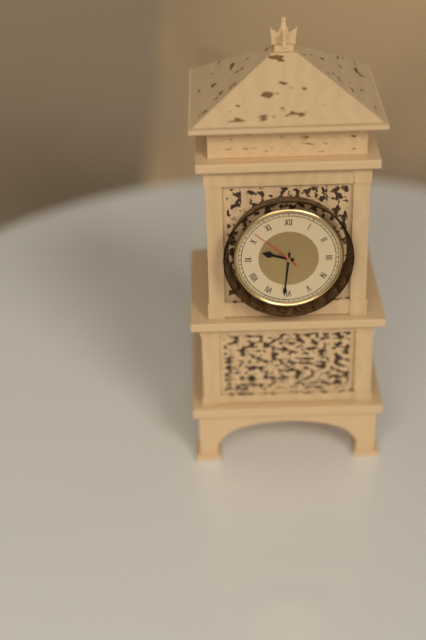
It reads 9.31.52
